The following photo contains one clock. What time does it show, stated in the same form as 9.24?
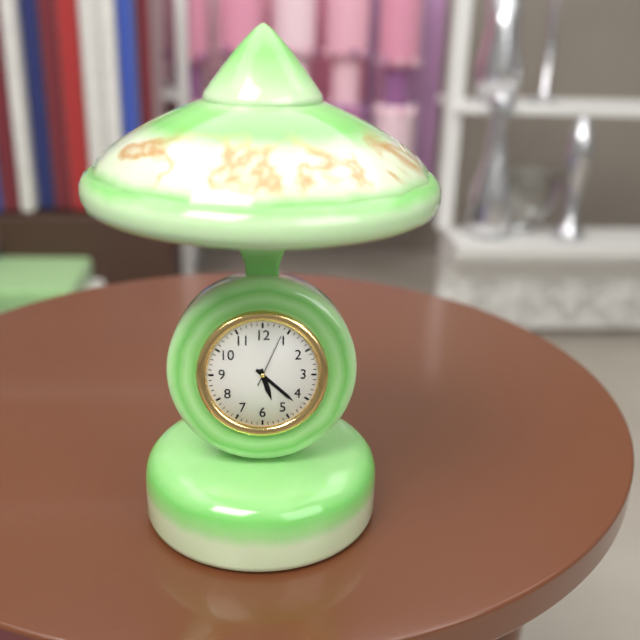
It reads 5.22
